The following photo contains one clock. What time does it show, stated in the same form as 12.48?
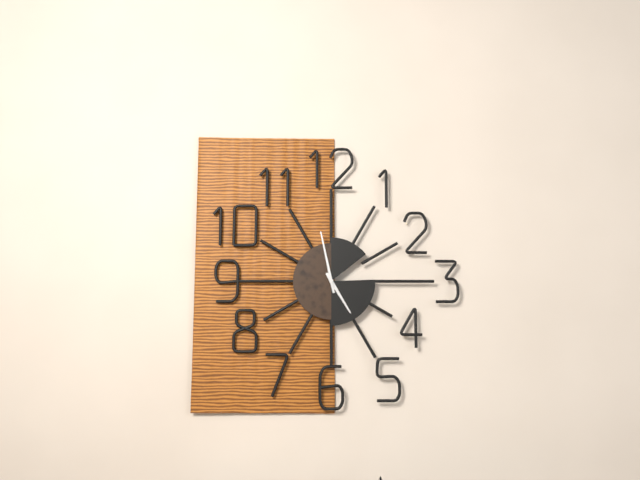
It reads 4.58
